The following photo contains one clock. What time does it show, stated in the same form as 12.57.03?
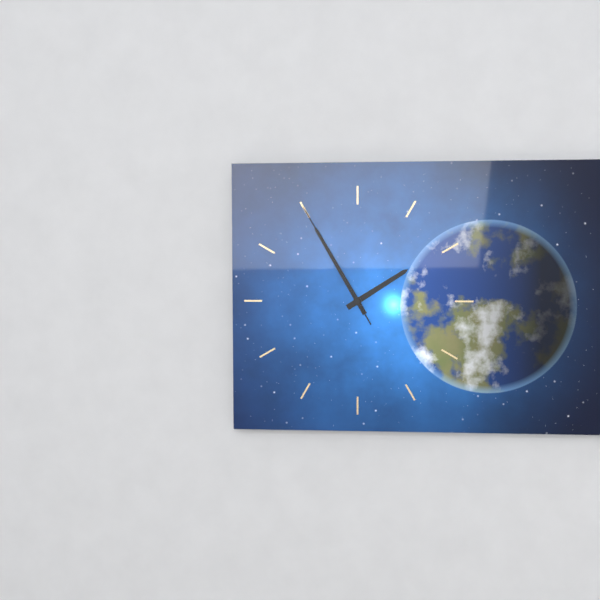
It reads 1.55.55
